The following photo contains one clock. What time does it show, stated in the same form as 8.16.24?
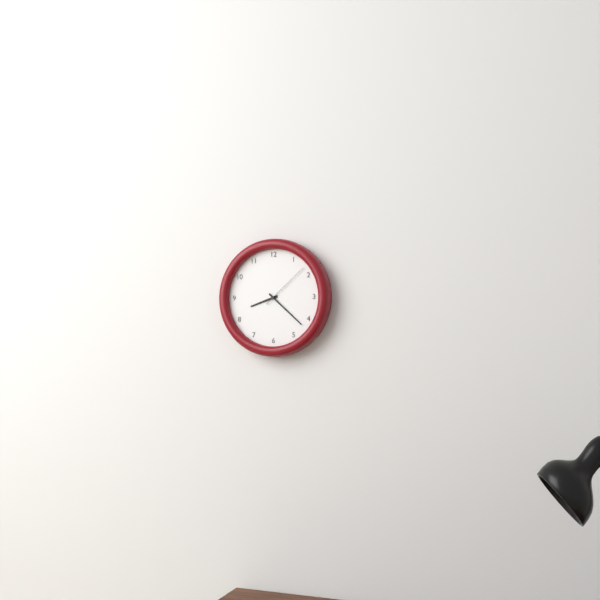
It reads 8.22.08
